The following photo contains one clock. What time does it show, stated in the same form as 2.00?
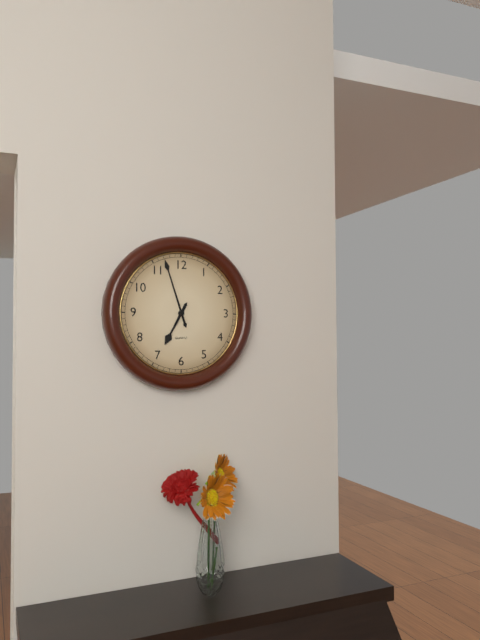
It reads 6.57
